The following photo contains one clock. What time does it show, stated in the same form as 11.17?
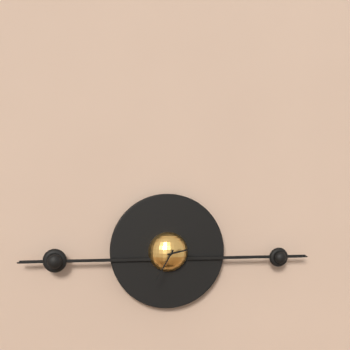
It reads 2.35
